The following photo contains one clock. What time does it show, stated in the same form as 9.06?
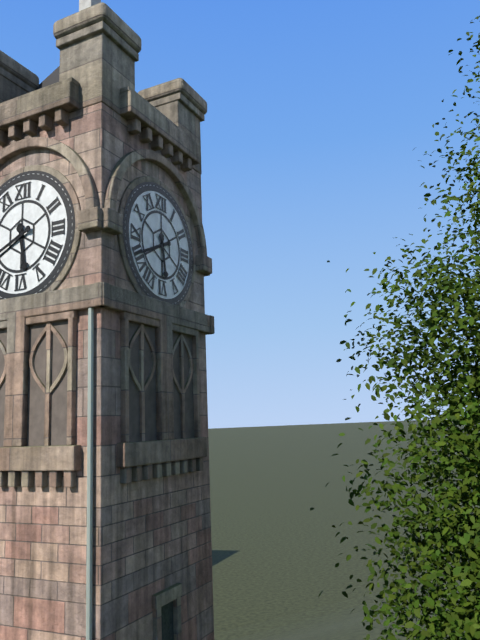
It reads 5.41
